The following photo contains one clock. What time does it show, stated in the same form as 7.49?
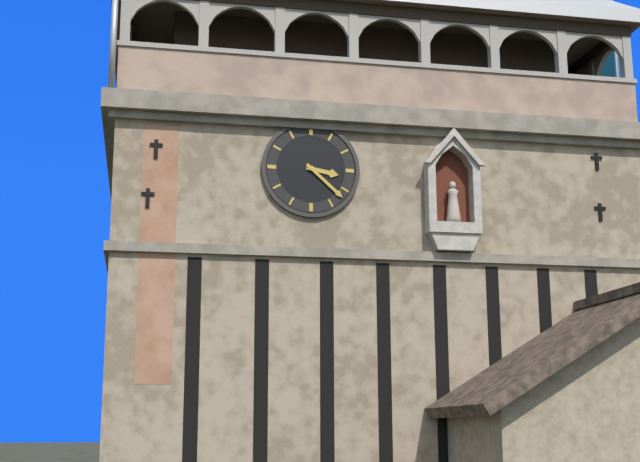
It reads 3.22
